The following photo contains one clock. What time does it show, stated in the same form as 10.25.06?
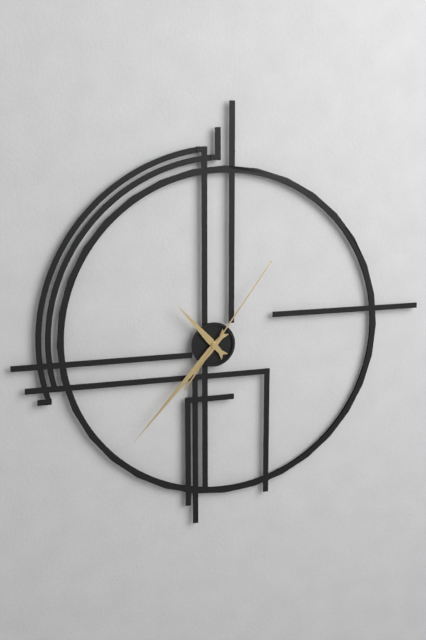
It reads 10.37.06
